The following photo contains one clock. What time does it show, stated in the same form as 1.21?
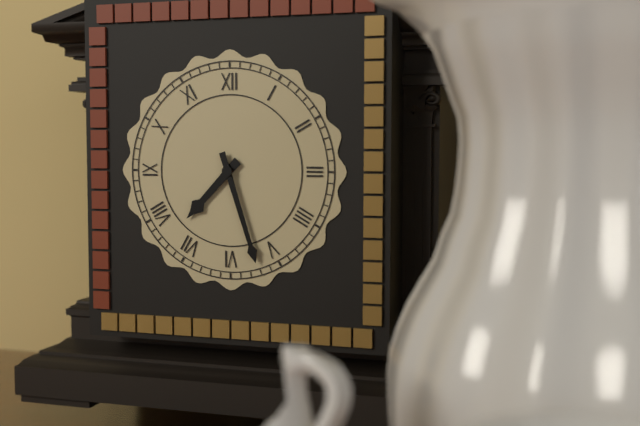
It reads 7.27
